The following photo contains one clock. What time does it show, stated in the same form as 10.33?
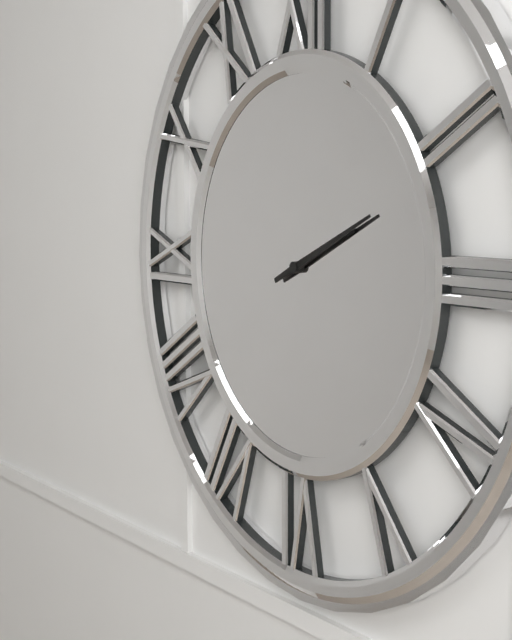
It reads 2.11
